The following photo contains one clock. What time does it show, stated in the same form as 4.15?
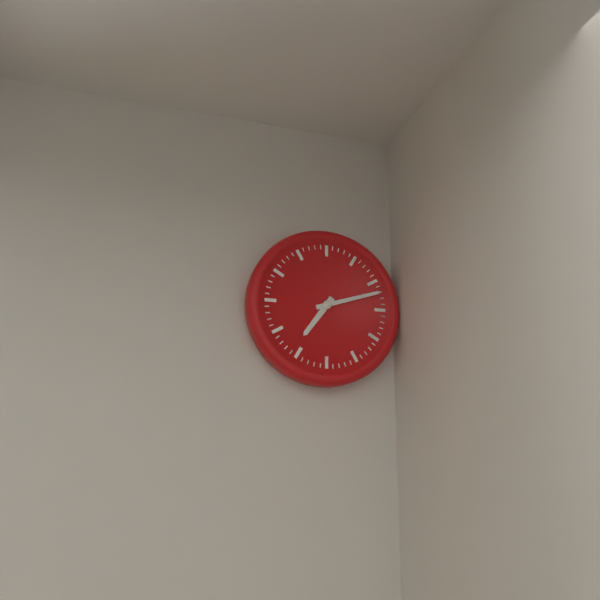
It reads 7.12
